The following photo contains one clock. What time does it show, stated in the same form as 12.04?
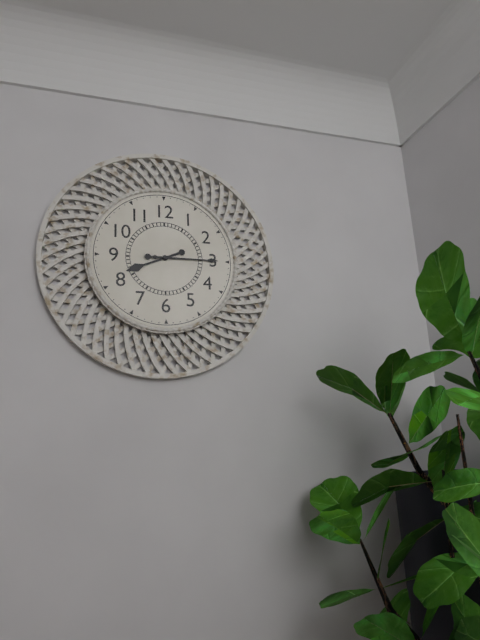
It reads 8.15
